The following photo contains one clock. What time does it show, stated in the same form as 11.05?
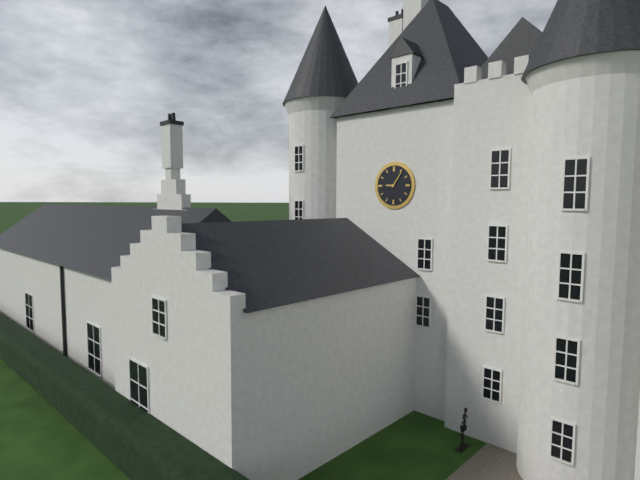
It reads 9.06
